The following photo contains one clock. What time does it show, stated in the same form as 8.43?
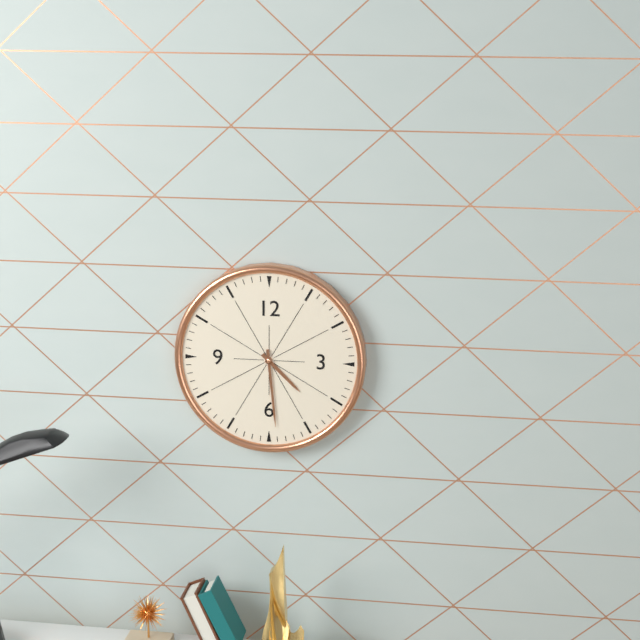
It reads 4.29
